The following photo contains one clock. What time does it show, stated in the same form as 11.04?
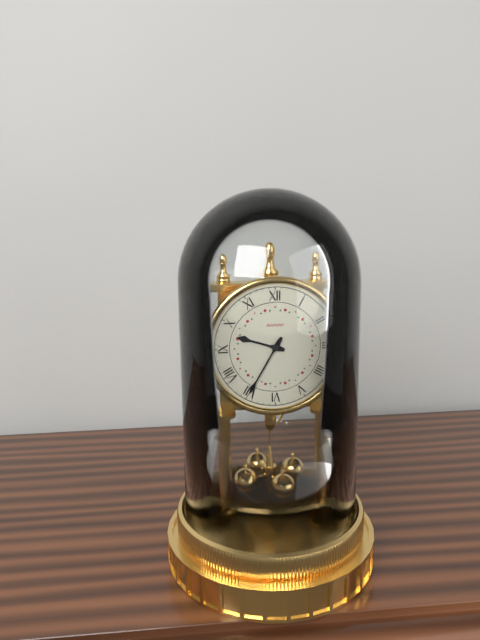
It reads 9.35
